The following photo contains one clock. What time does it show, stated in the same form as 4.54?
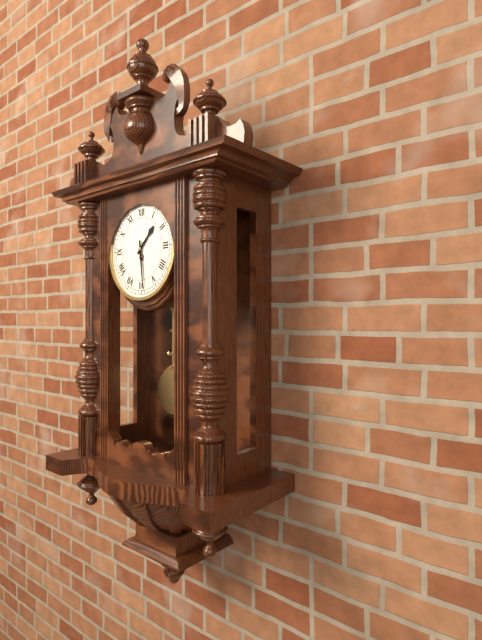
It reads 1.29
